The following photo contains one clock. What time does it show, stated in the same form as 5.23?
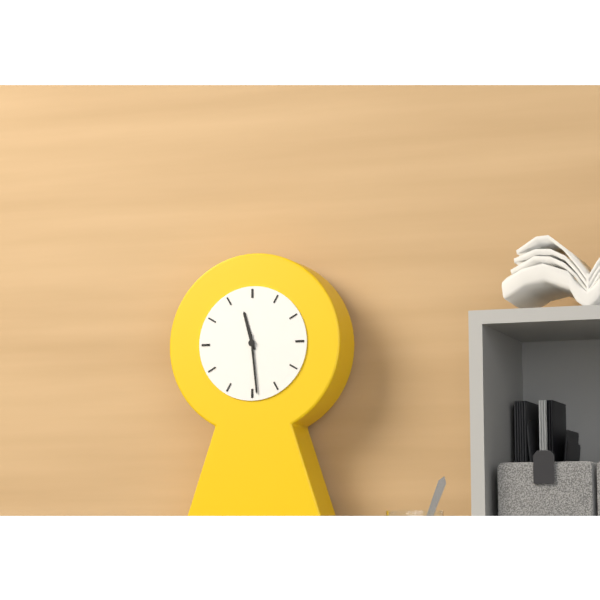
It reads 11.29
